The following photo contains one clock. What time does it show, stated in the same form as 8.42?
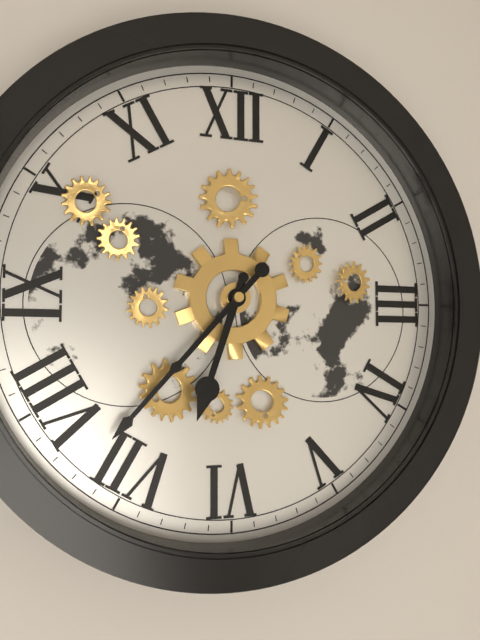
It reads 6.37
